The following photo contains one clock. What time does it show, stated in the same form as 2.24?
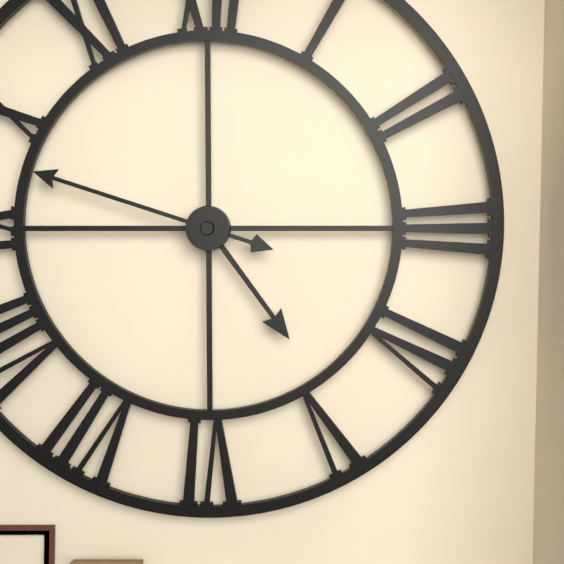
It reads 4.48
